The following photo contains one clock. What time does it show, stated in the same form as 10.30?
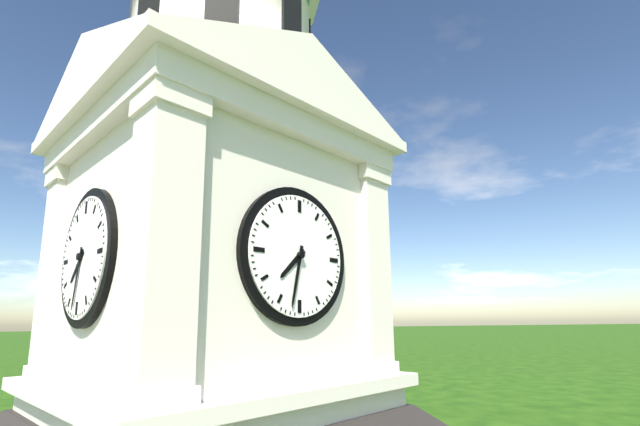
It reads 7.32
